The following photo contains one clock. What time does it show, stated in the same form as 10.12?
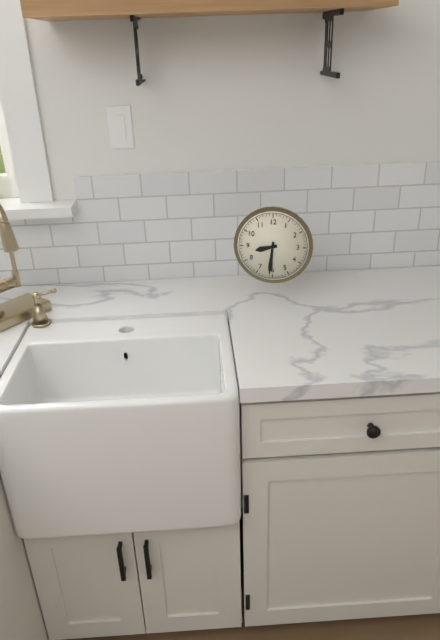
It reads 8.31
